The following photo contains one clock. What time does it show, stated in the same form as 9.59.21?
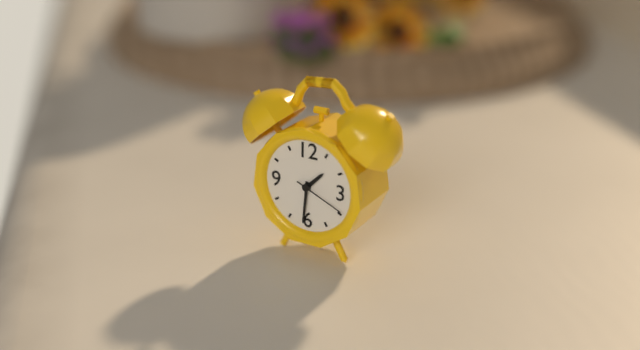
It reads 1.31.19
